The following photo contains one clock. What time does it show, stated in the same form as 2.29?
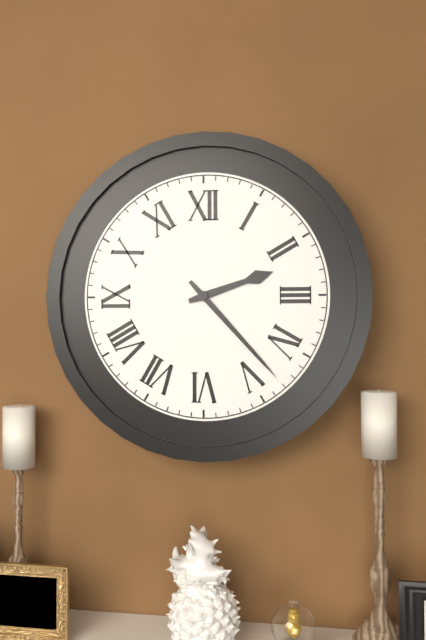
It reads 2.23
